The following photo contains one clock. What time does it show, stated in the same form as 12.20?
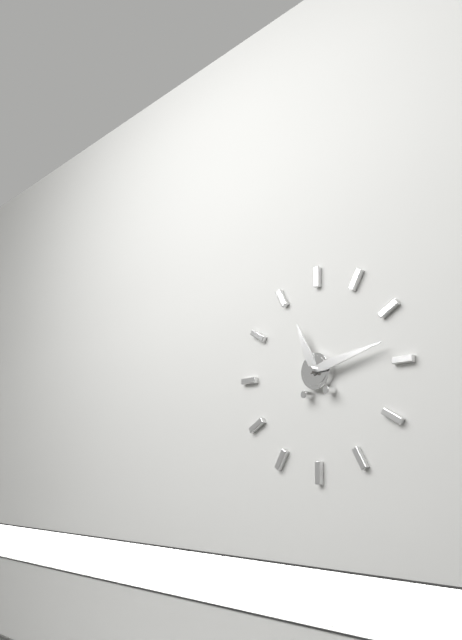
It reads 11.13
